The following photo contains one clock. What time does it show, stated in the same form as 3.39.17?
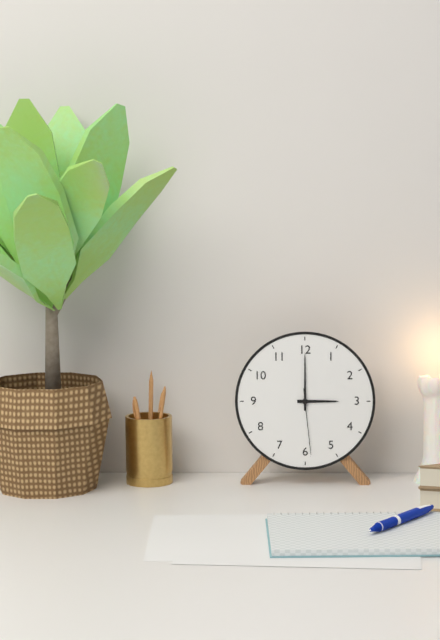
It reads 3.00.29
